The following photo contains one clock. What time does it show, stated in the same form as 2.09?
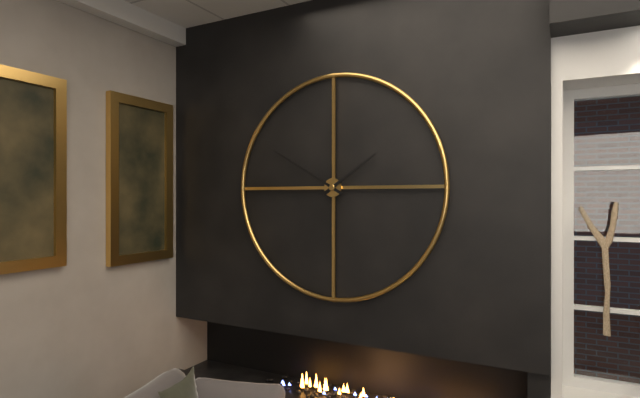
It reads 1.50
